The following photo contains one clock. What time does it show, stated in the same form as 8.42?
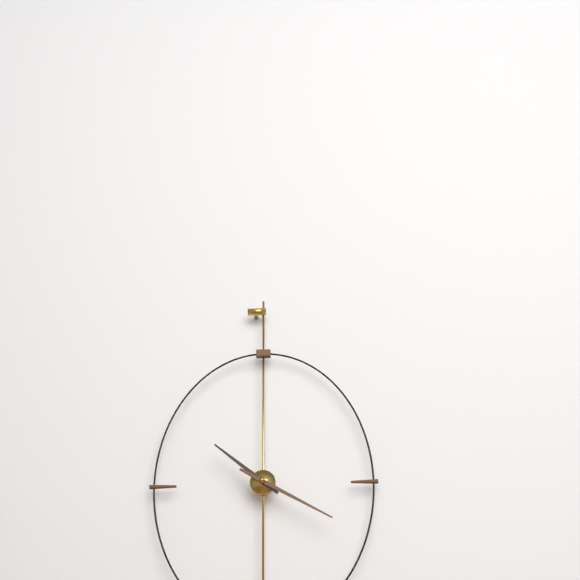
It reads 10.20
